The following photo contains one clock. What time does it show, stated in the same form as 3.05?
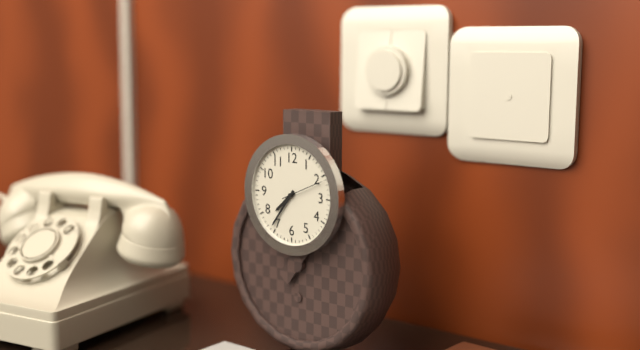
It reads 7.36
